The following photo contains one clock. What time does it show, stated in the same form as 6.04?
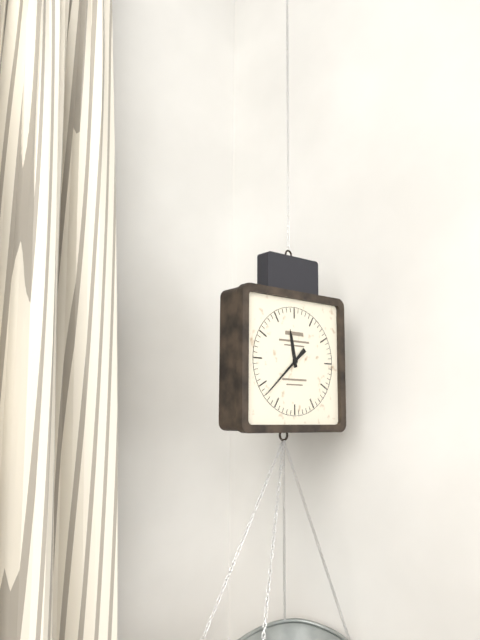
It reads 11.38
